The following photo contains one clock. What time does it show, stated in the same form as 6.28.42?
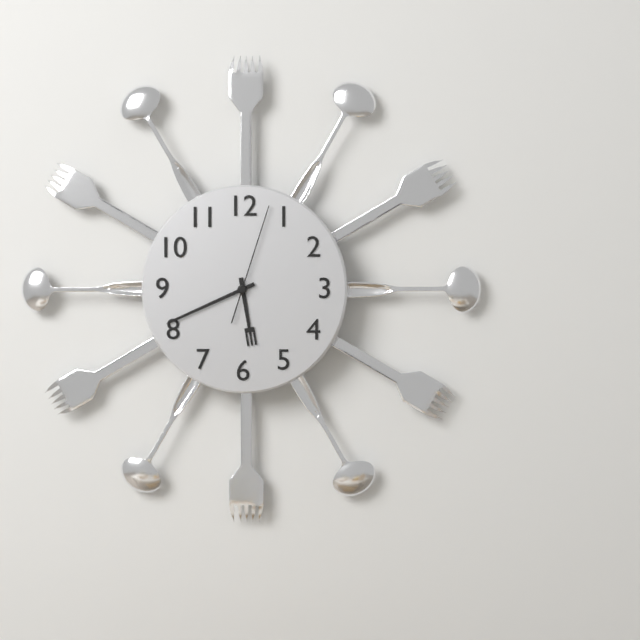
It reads 5.41.03
